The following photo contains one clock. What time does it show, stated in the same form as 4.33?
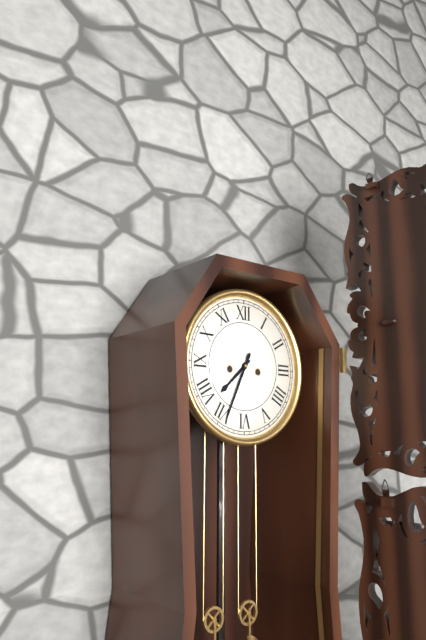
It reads 7.34
